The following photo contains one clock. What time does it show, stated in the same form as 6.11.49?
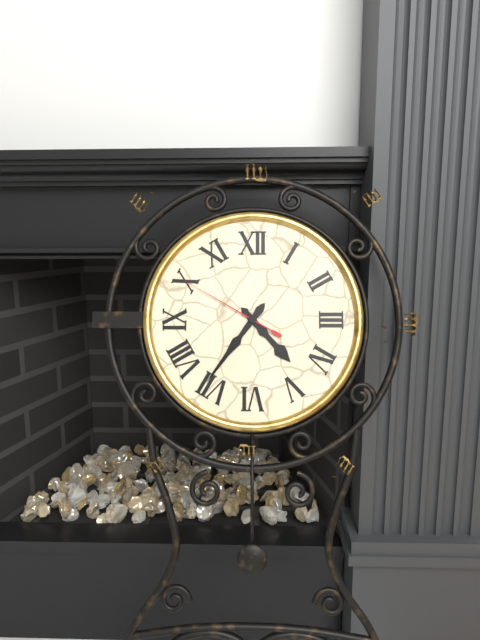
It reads 4.36.50
